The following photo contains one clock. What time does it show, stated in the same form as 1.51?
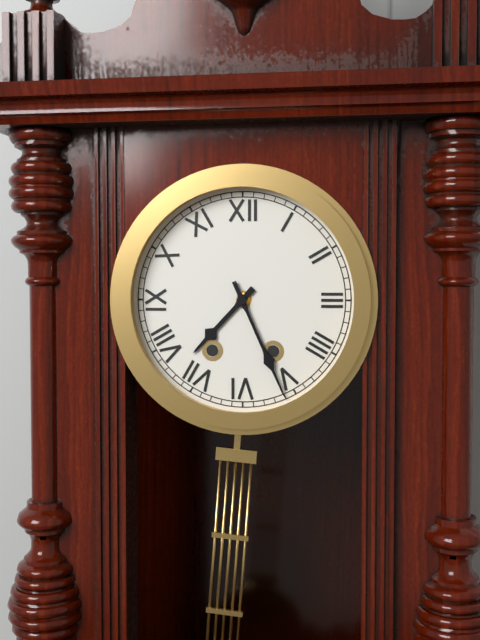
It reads 7.26
